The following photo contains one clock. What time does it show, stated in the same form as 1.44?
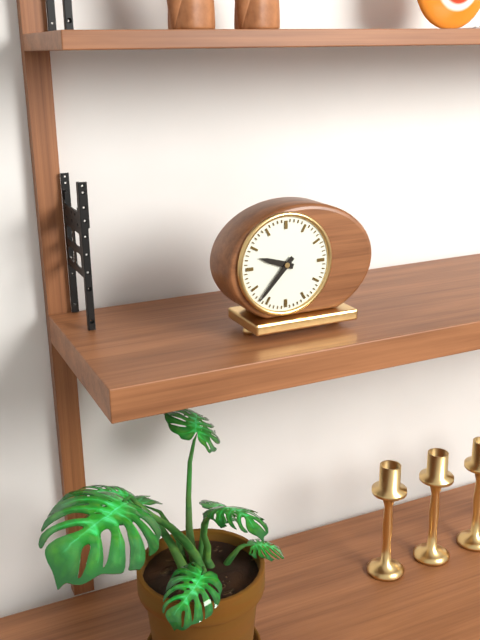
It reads 9.37
